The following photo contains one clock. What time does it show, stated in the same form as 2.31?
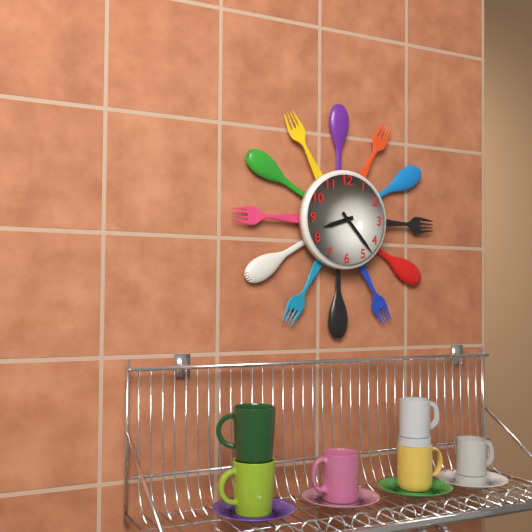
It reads 8.23
